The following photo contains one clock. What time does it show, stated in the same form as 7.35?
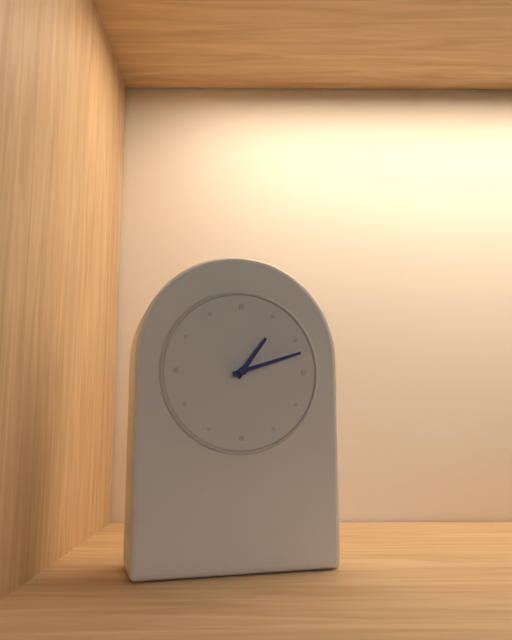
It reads 1.12
